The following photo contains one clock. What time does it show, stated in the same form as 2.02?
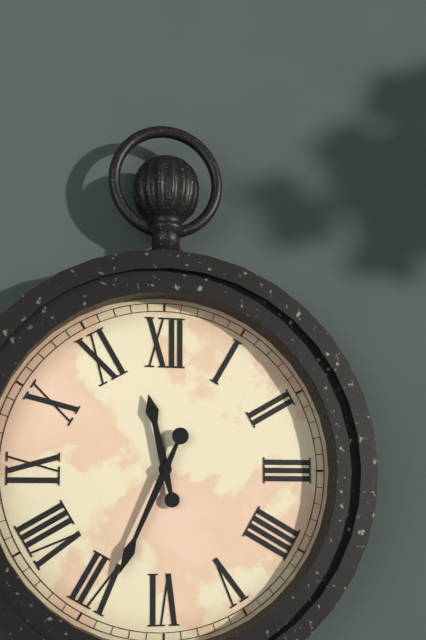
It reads 11.34
